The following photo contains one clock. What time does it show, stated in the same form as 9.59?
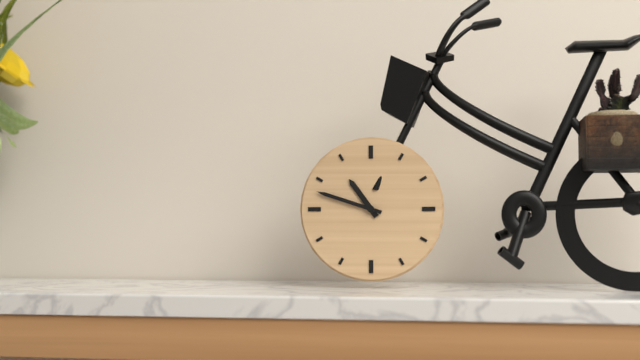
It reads 10.48
